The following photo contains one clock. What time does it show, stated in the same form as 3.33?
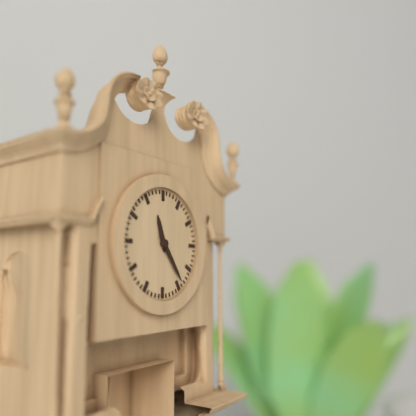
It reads 11.24
